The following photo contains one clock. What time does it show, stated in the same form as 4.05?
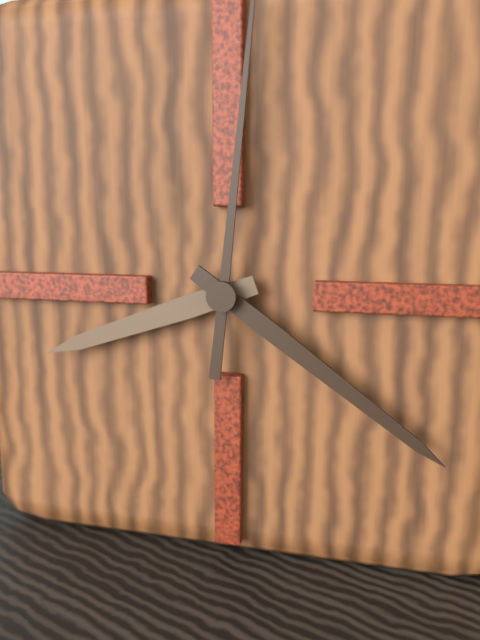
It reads 8.21
